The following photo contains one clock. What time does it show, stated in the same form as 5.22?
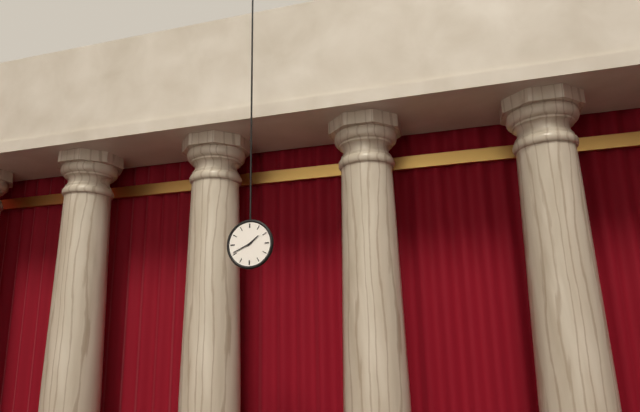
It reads 1.41
